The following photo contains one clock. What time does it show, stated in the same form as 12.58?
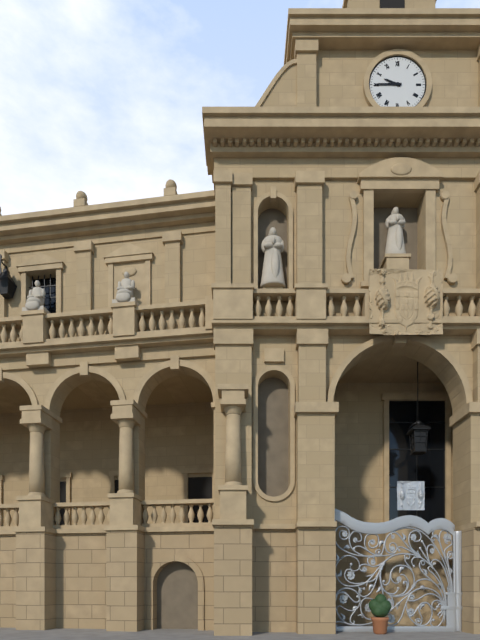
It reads 9.45
